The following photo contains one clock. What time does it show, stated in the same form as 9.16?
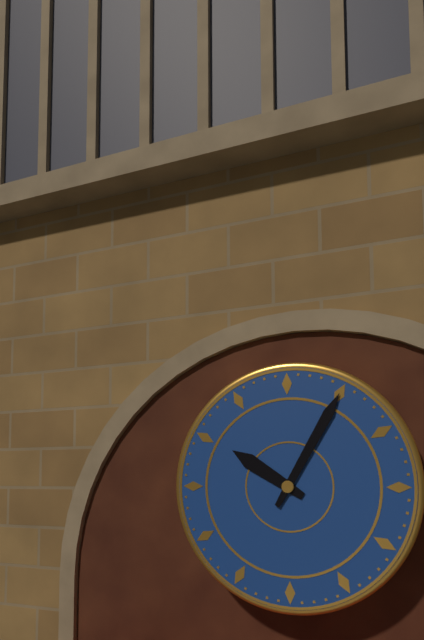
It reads 10.05
